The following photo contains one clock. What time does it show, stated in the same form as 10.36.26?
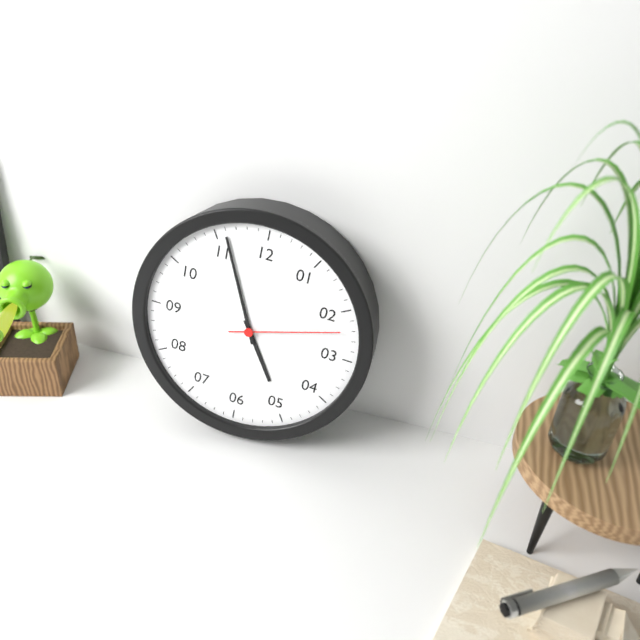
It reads 4.56.12
